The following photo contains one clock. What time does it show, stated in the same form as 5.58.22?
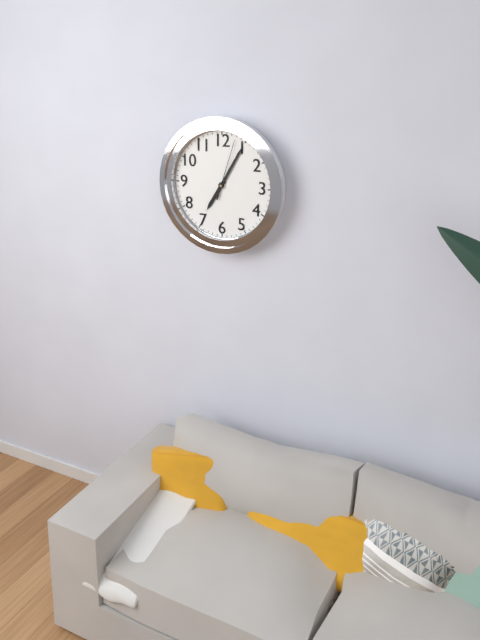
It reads 7.05.03
